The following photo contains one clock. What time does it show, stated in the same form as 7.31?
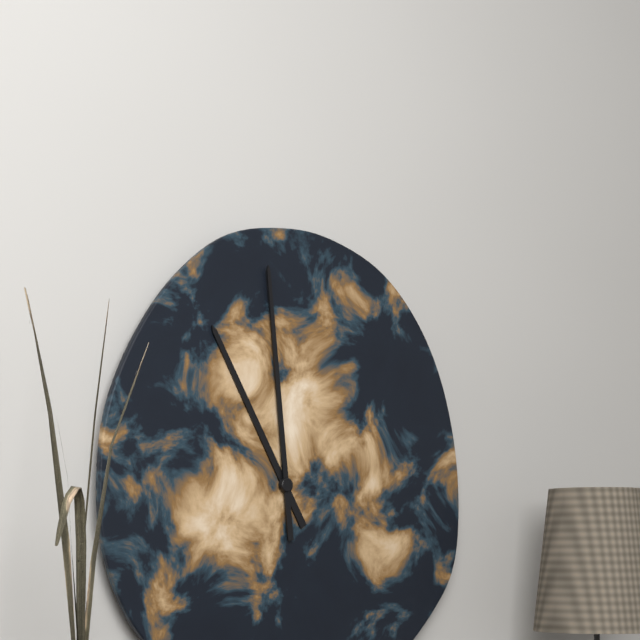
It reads 10.59
